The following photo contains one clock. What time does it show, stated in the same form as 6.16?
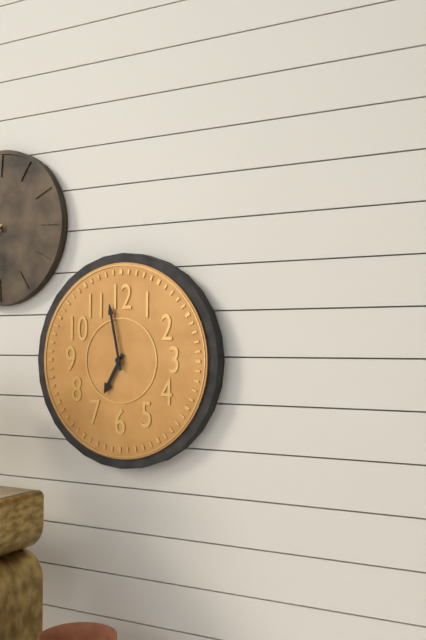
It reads 6.58
